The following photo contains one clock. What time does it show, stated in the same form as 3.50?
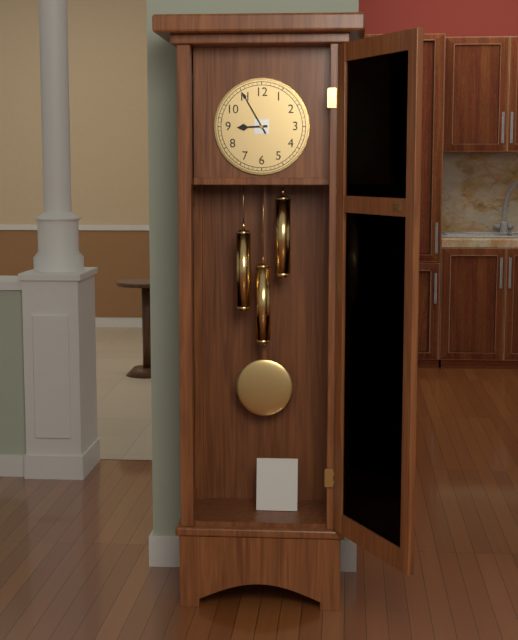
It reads 8.55
